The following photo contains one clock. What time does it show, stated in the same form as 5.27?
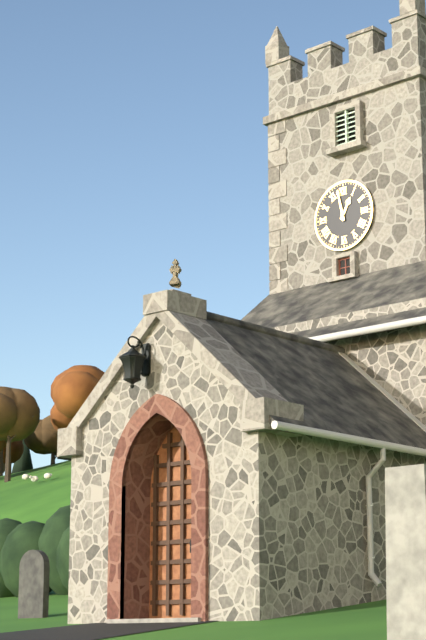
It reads 12.58
